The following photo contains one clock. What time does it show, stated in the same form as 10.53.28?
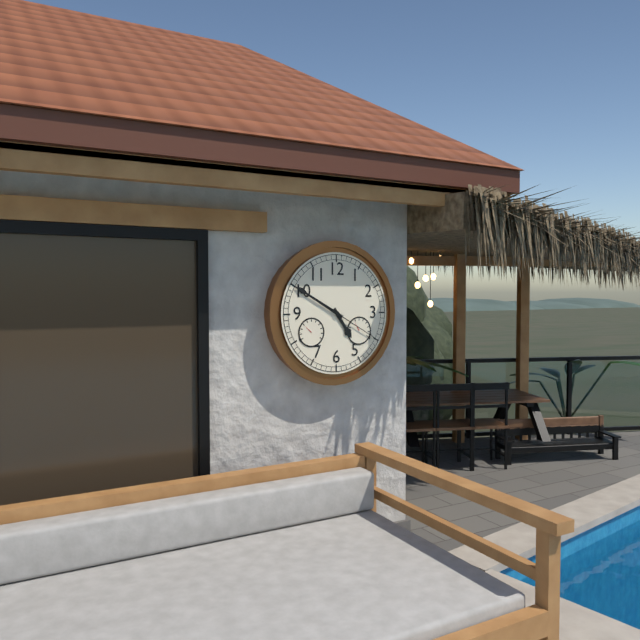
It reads 4.50.20
